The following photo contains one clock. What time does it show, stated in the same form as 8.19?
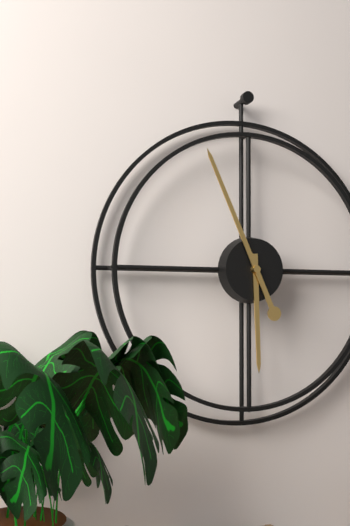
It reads 5.56
